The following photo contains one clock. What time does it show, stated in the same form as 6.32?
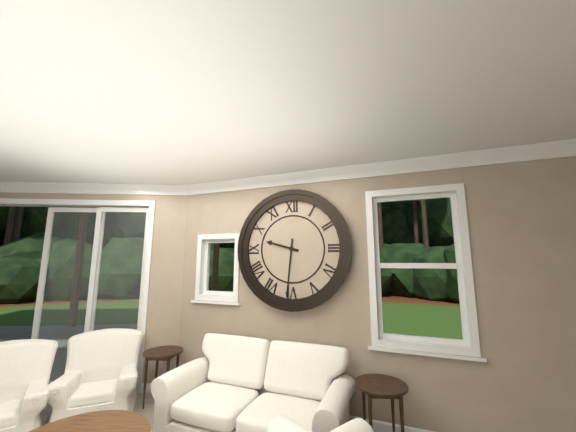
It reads 9.31
